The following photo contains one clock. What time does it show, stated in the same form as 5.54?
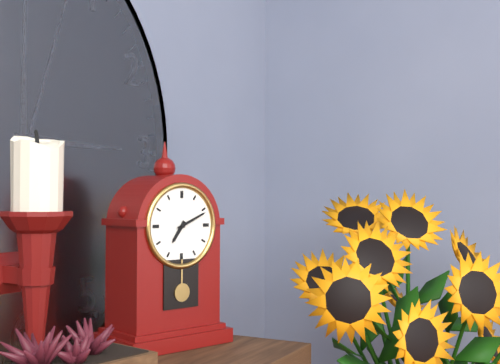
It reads 7.11
